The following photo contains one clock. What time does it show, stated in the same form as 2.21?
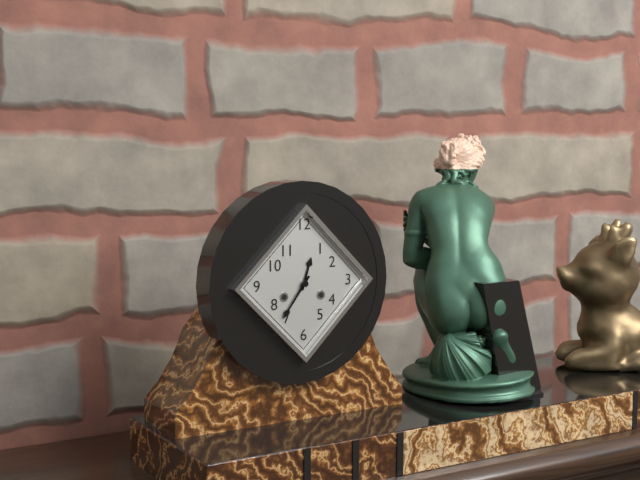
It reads 12.36
